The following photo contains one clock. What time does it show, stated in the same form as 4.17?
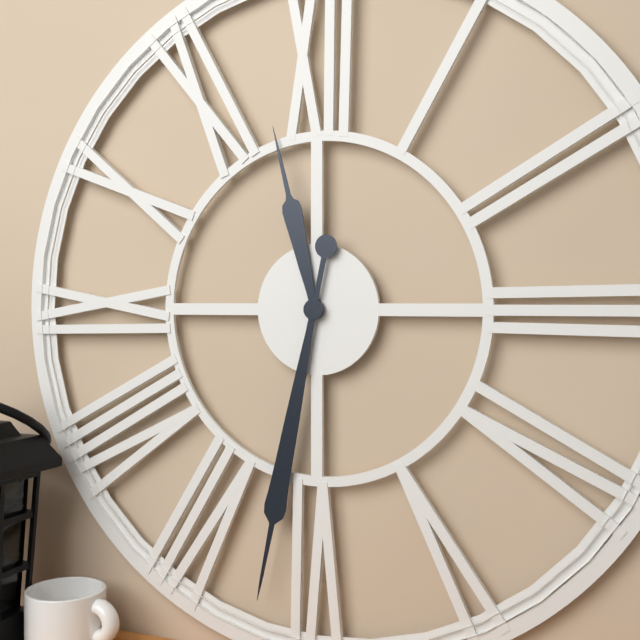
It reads 11.32
